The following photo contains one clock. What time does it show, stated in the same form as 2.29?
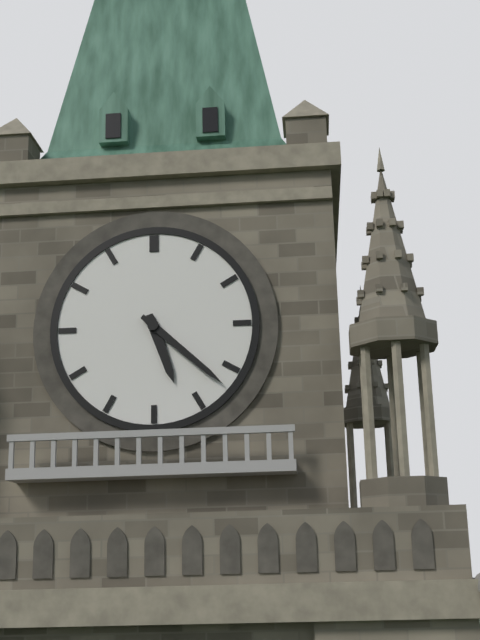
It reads 5.22
